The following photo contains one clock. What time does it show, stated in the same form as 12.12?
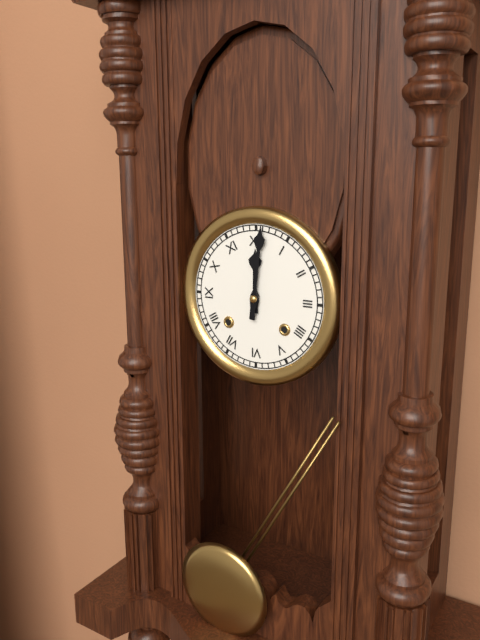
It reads 12.01
